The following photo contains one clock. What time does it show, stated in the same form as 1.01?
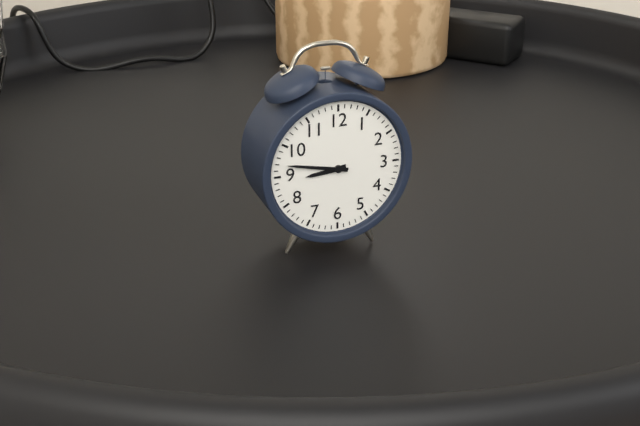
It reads 8.47
